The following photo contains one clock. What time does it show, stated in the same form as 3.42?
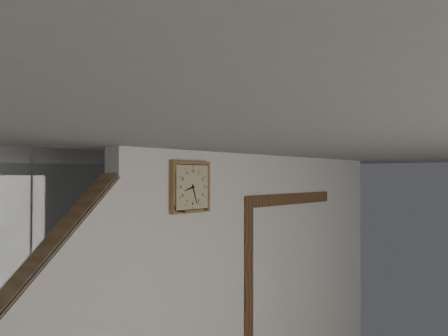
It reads 8.27
